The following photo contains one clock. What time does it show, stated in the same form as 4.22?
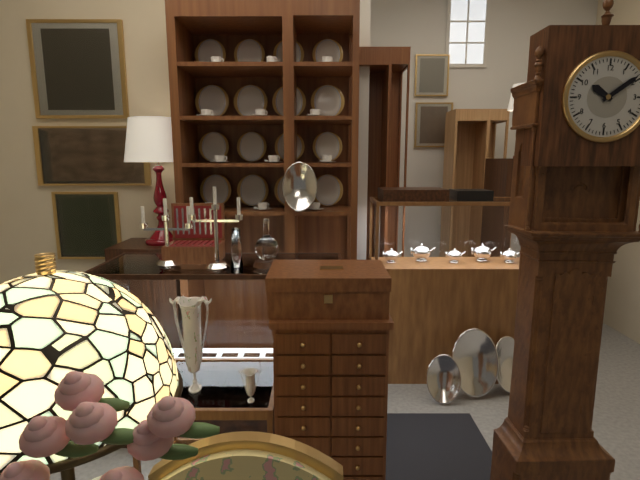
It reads 10.09
